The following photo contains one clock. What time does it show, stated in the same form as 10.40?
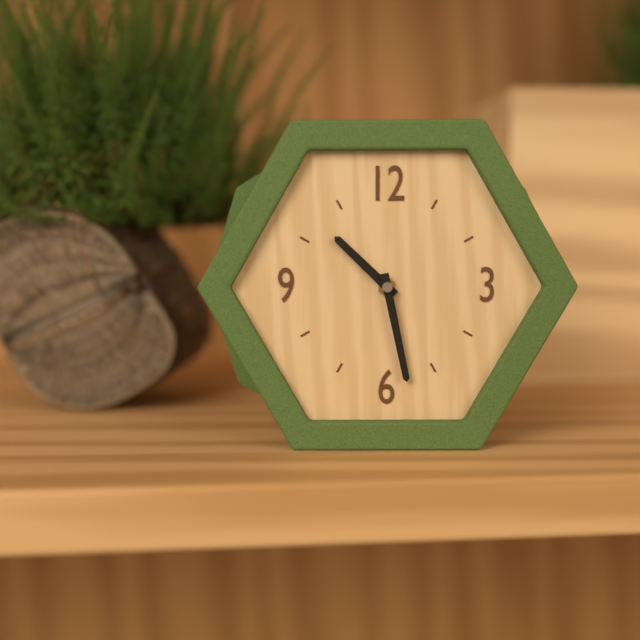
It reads 10.28
